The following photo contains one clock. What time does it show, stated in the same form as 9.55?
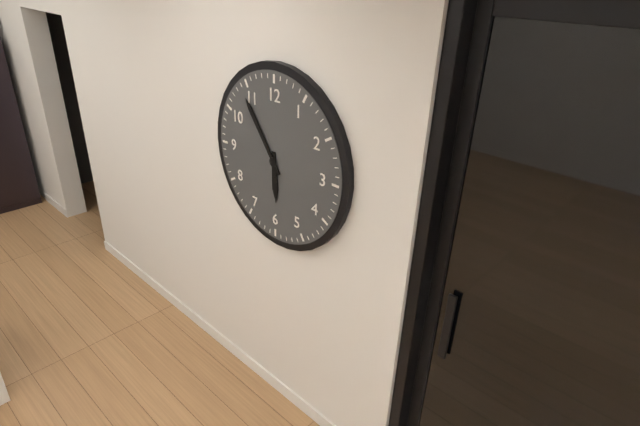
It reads 5.54
